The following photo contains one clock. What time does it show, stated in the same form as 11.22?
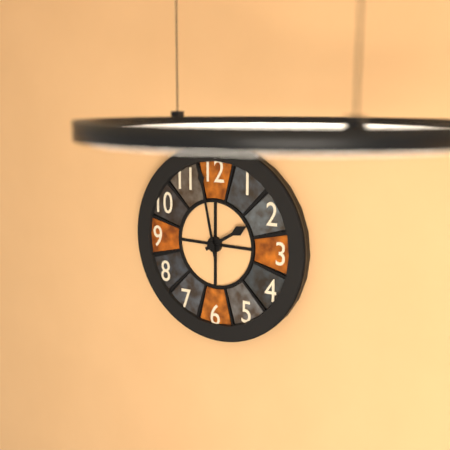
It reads 1.58
